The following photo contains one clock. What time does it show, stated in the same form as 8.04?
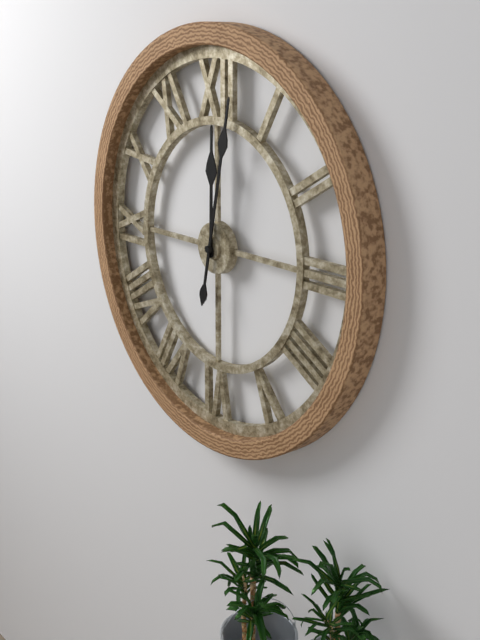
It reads 12.02
